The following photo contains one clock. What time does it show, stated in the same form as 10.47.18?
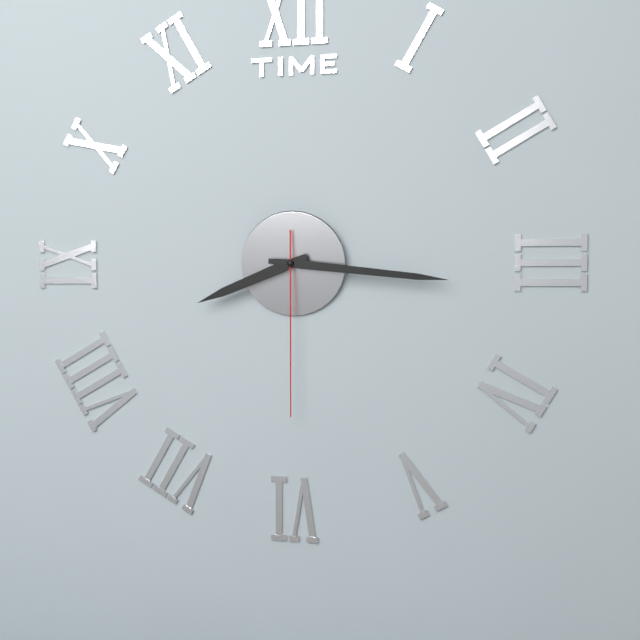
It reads 8.16.30
